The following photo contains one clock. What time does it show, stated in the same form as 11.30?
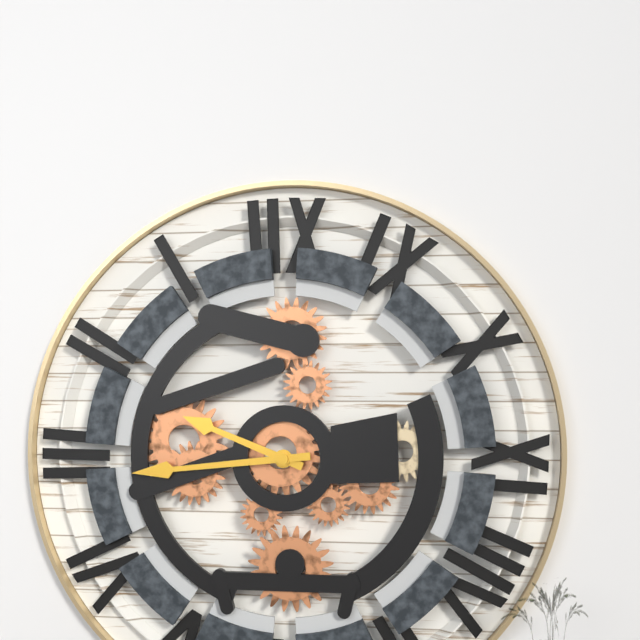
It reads 9.44
